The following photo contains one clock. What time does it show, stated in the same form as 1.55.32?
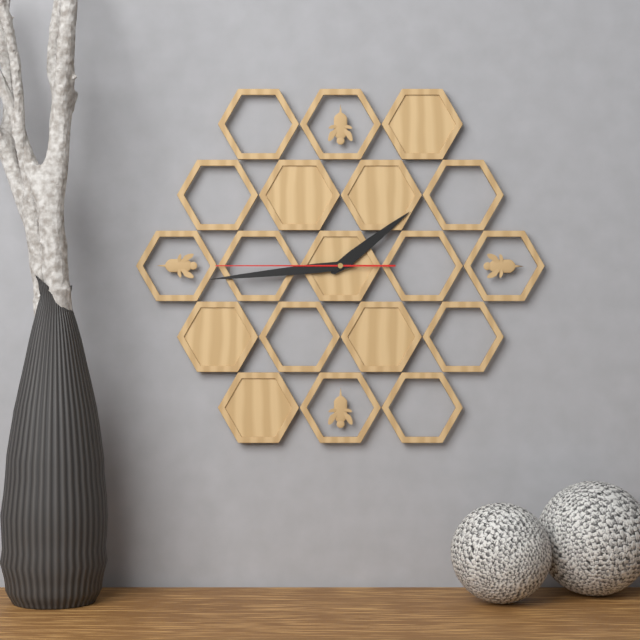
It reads 1.44.45
